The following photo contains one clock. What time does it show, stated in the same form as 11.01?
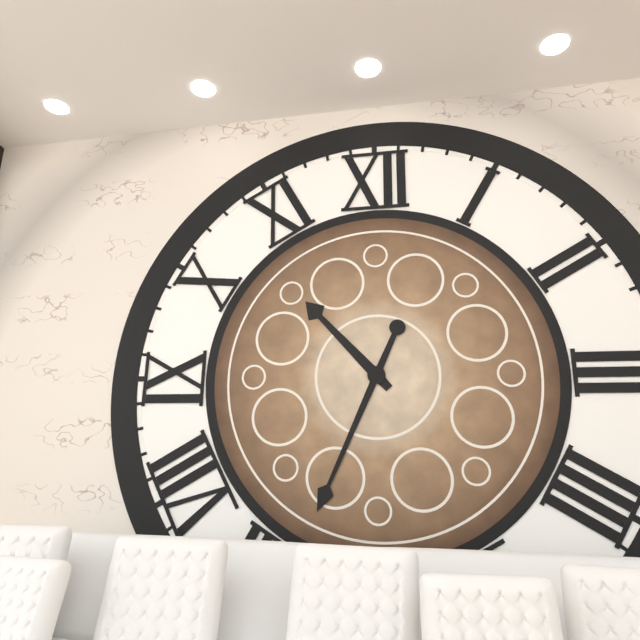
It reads 10.34
